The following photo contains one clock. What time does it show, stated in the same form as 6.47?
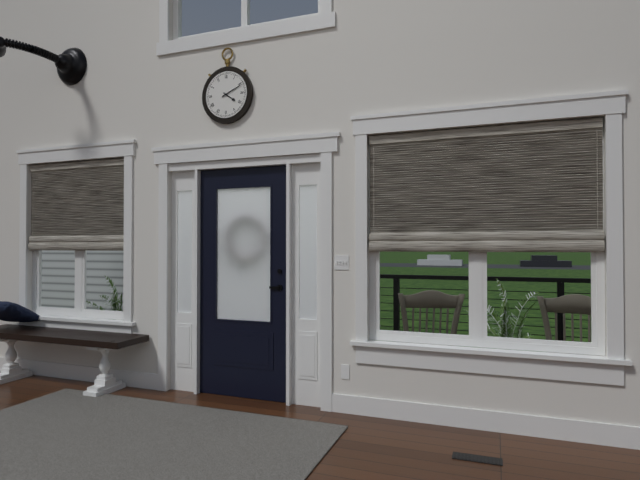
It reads 4.11
